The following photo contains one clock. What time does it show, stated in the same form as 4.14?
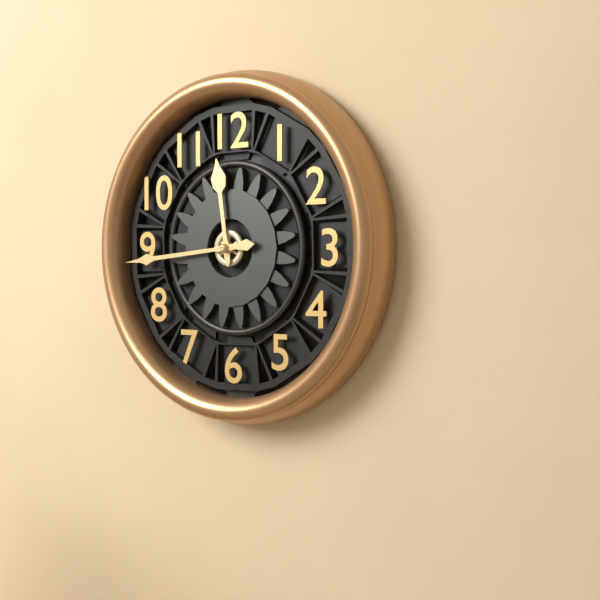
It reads 11.44
